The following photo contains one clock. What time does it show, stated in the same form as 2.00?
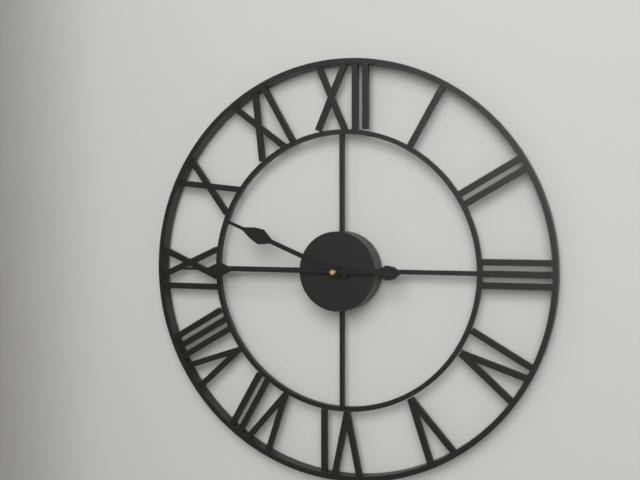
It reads 9.45
